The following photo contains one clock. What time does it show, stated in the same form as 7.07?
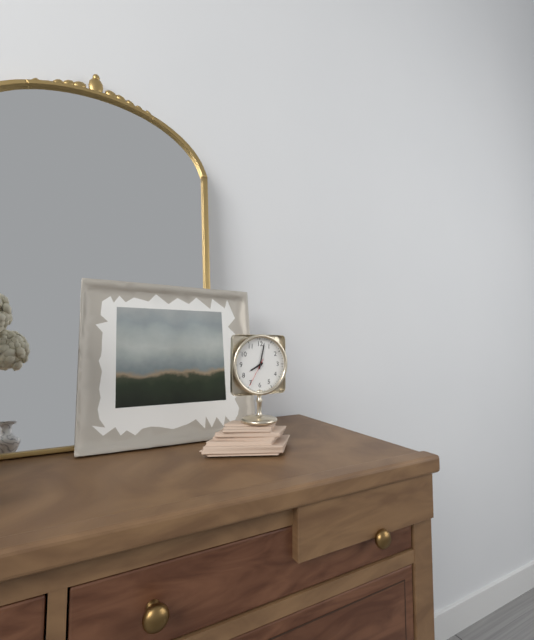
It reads 8.02
